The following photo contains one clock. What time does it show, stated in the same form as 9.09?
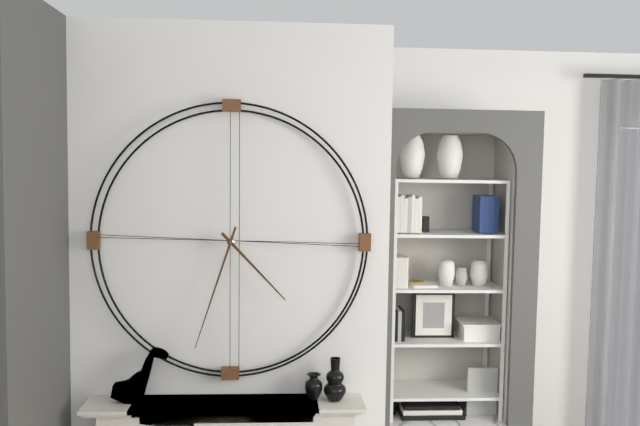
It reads 4.33
